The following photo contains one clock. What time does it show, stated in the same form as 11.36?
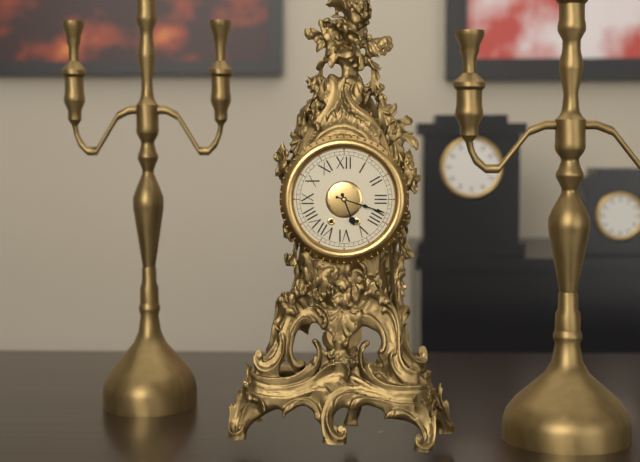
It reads 5.18
